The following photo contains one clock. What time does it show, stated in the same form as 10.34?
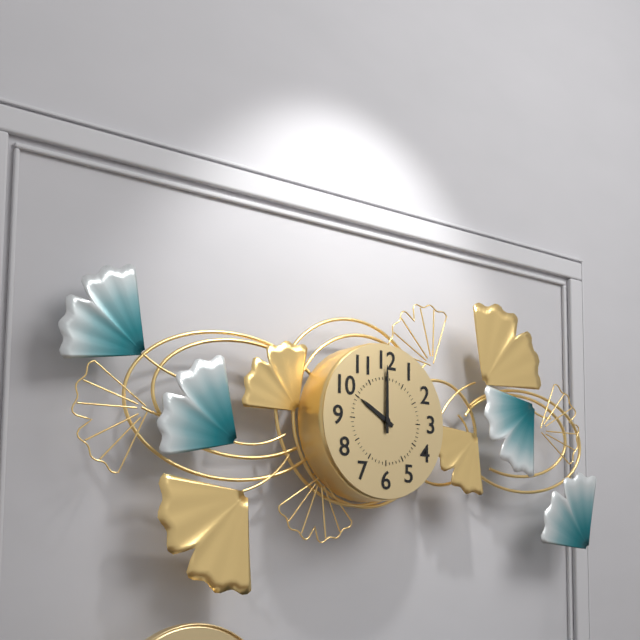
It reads 10.00
